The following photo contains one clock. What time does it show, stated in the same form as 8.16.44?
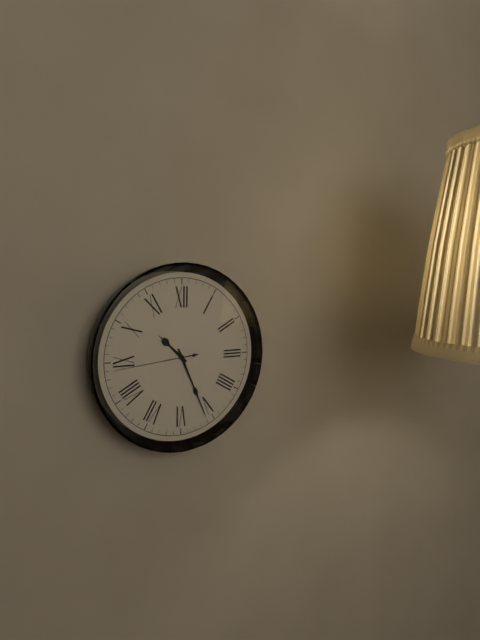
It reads 10.26.44
